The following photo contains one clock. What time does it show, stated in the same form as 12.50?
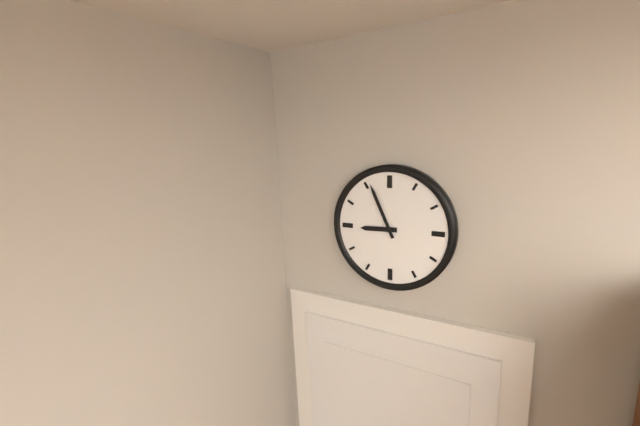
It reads 8.56
